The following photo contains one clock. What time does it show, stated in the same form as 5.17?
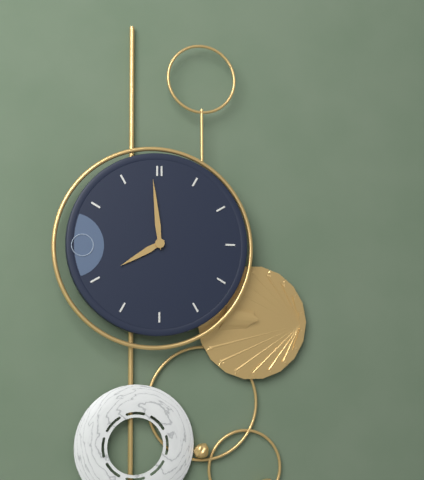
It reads 7.59
